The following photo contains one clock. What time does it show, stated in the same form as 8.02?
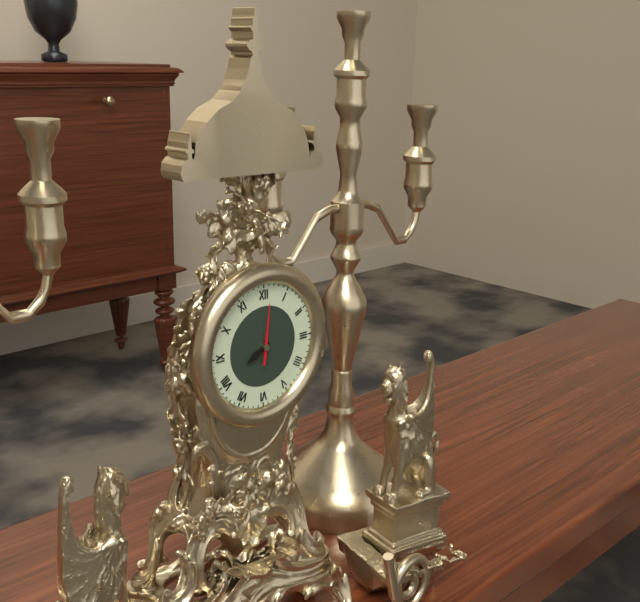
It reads 8.01
